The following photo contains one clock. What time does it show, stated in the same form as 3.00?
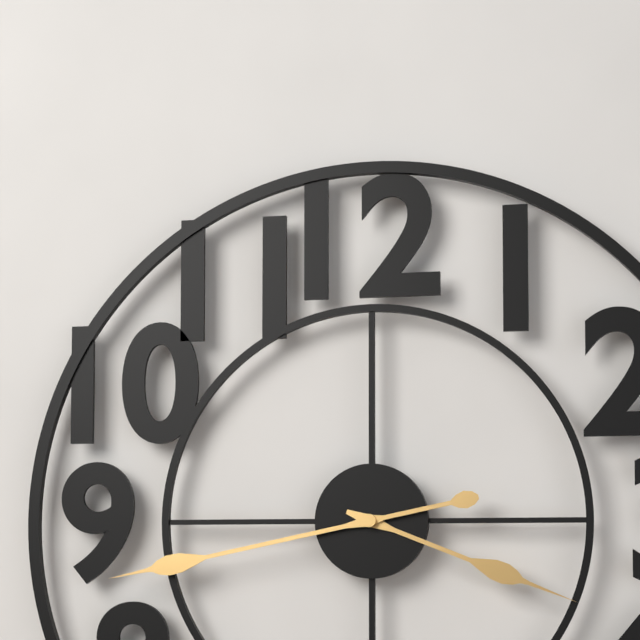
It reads 3.43
